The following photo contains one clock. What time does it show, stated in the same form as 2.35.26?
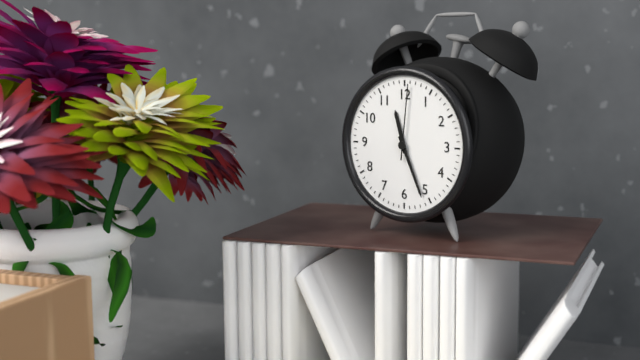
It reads 11.26.01
